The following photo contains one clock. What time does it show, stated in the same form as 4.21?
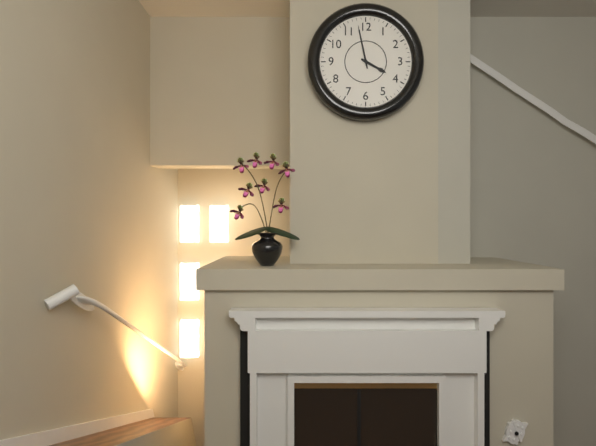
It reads 3.58
